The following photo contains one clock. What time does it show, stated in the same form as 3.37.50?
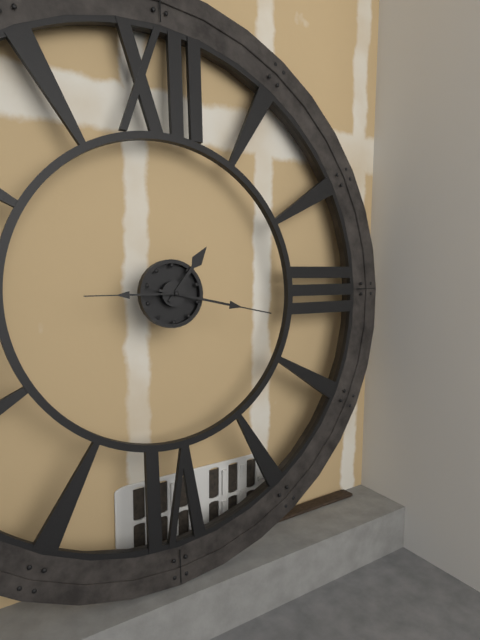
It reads 1.17.45
